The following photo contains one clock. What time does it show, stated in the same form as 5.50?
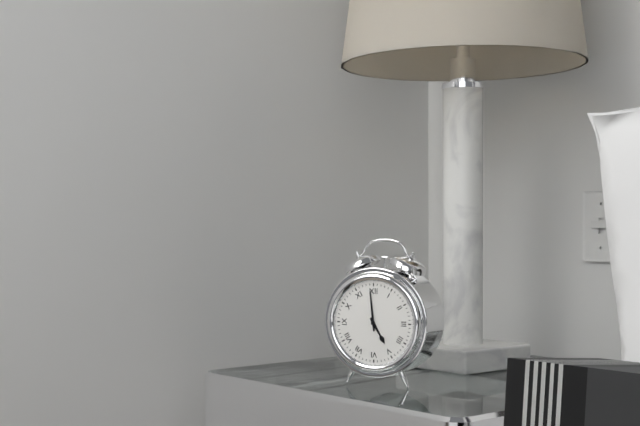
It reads 4.59
